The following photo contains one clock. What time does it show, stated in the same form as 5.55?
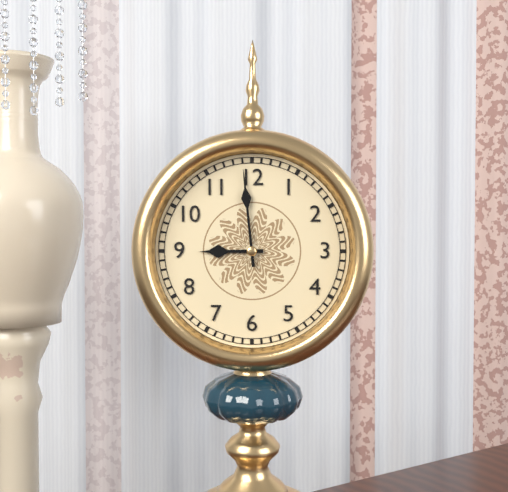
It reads 8.59
